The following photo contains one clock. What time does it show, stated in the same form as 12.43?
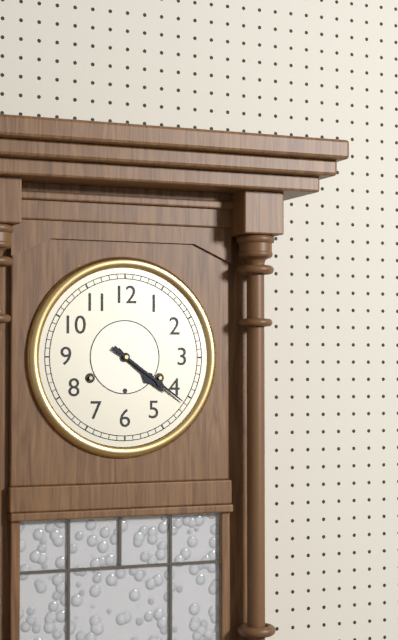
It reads 4.21
